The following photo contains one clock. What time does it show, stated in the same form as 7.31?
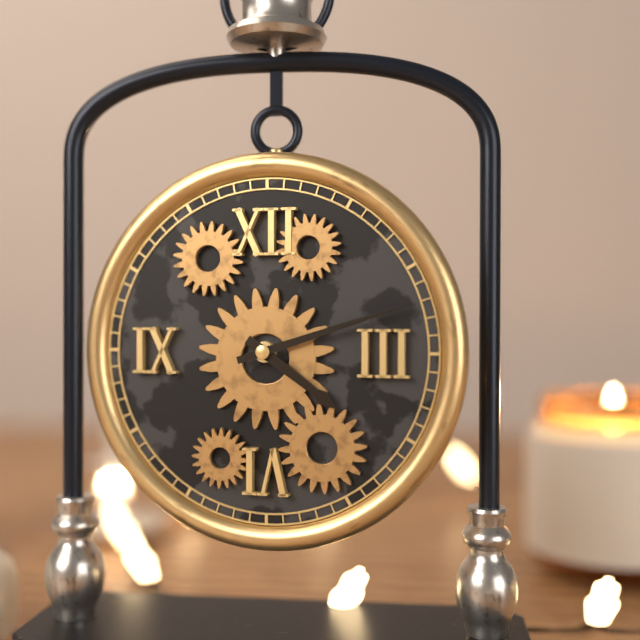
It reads 4.12
